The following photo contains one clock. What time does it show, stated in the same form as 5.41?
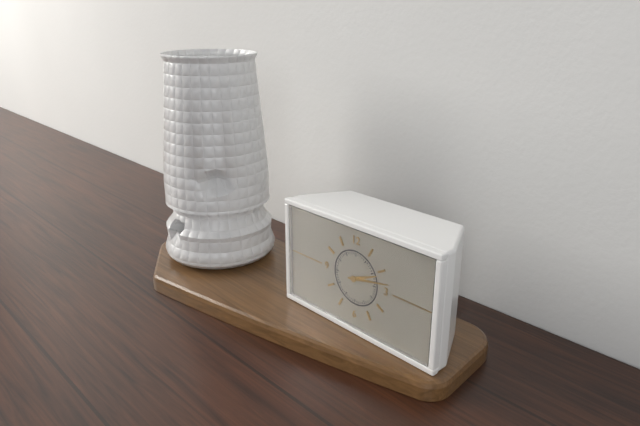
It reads 2.13
